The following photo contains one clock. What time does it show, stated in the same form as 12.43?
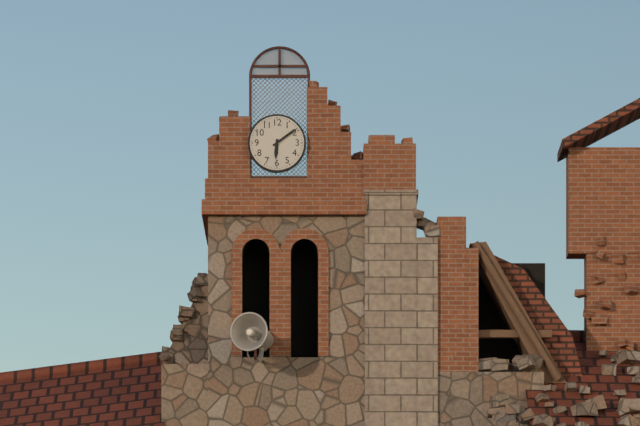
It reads 6.09
